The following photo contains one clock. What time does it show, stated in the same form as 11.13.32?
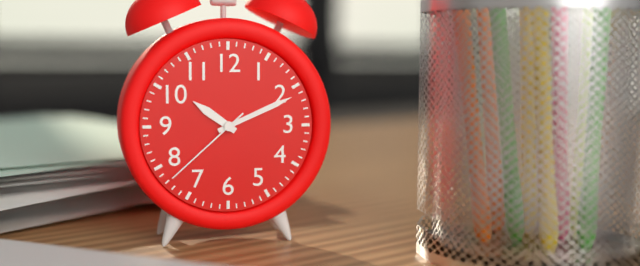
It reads 10.11.38
